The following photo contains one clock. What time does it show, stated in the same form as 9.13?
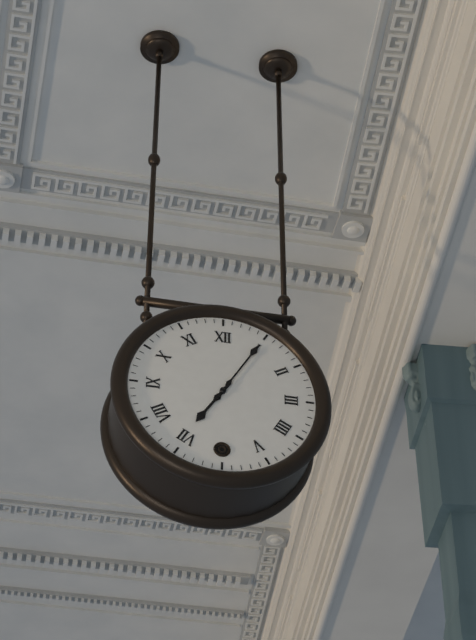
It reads 7.05
